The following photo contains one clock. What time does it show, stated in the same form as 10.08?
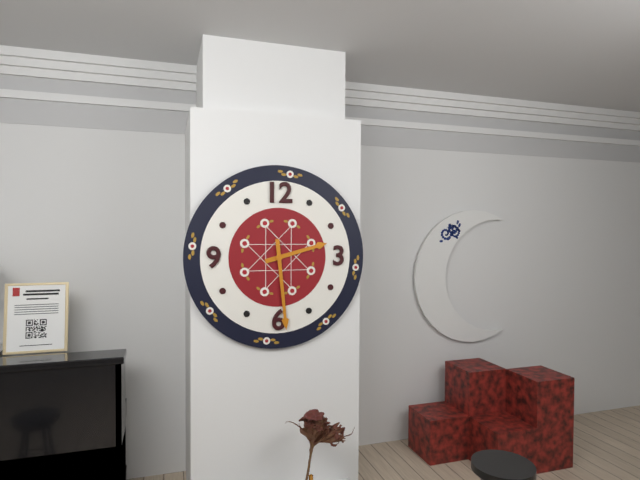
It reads 2.29
